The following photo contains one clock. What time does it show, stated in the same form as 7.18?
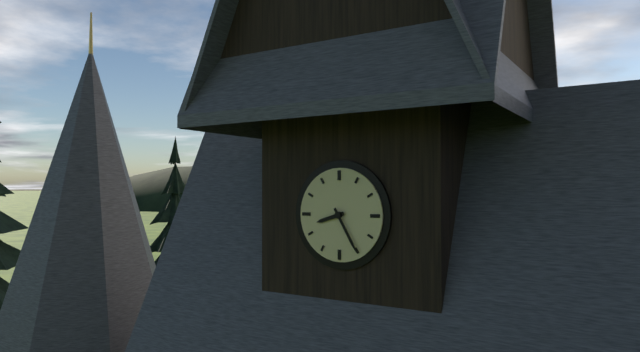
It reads 8.25
